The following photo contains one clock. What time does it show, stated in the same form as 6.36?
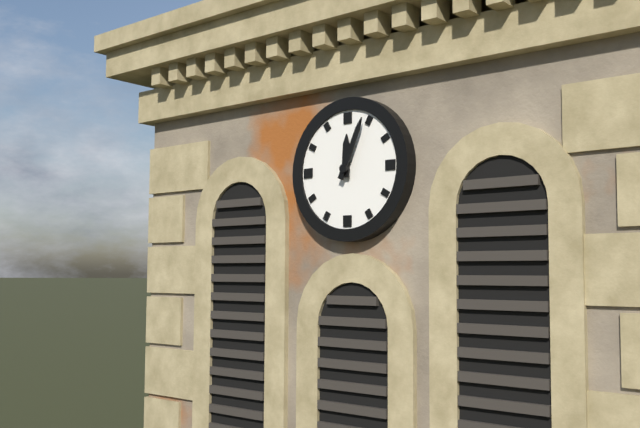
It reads 12.04
